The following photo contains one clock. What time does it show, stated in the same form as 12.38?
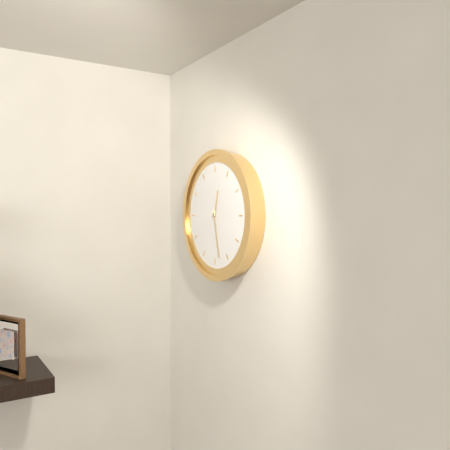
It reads 12.28
